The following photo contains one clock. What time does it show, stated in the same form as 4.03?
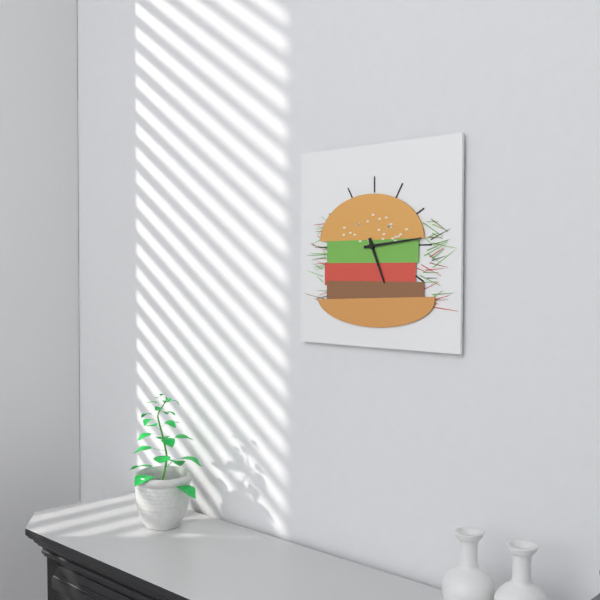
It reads 5.14
